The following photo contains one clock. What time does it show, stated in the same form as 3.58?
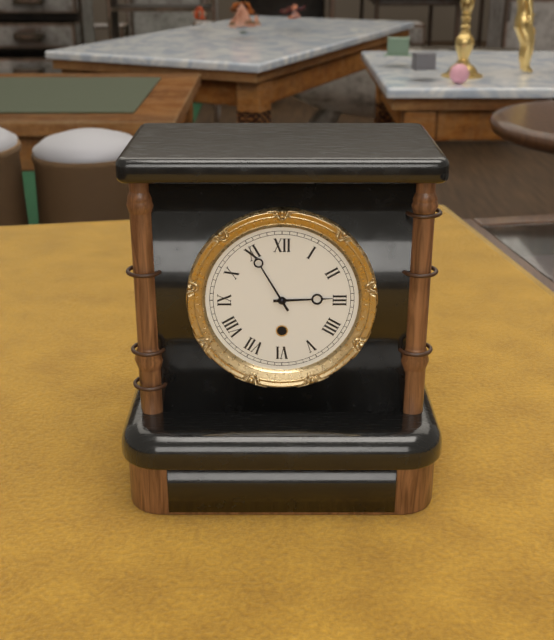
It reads 2.55
